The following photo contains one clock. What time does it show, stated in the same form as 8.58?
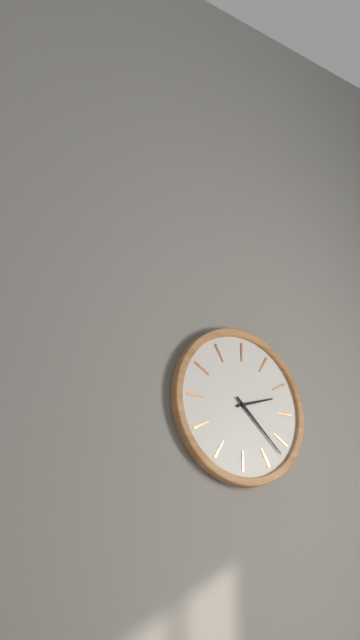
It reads 2.22
